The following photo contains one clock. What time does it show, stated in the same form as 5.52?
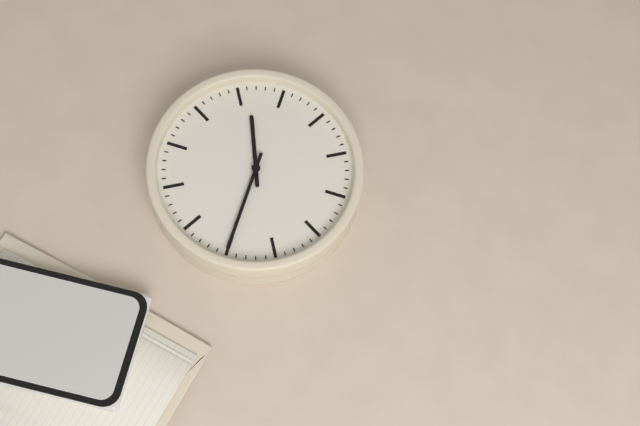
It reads 8.15
